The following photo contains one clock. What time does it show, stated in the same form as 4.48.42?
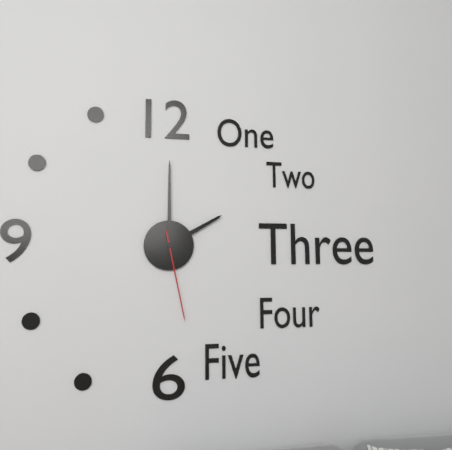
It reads 2.00.28
